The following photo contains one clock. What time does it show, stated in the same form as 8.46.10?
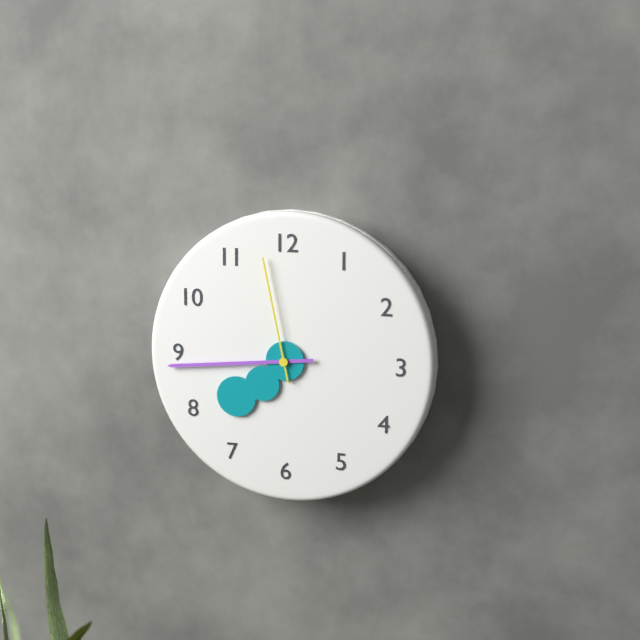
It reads 7.44.58
